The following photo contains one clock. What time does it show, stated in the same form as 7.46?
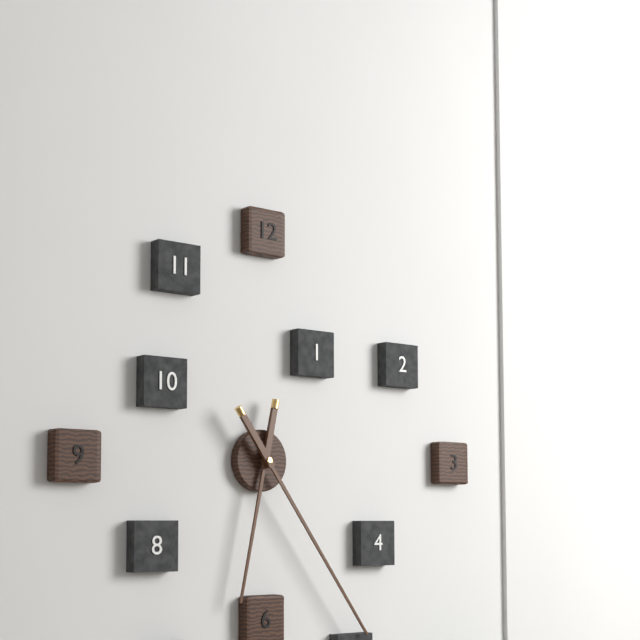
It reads 6.24
